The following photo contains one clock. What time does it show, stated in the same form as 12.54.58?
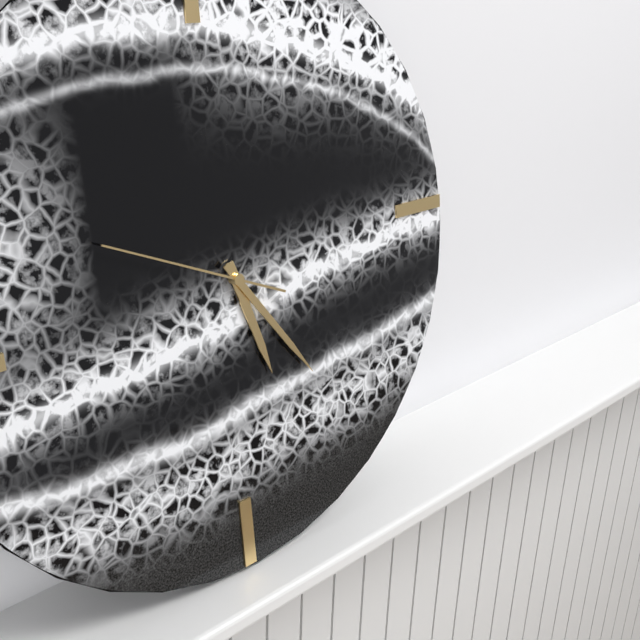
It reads 5.24.49
